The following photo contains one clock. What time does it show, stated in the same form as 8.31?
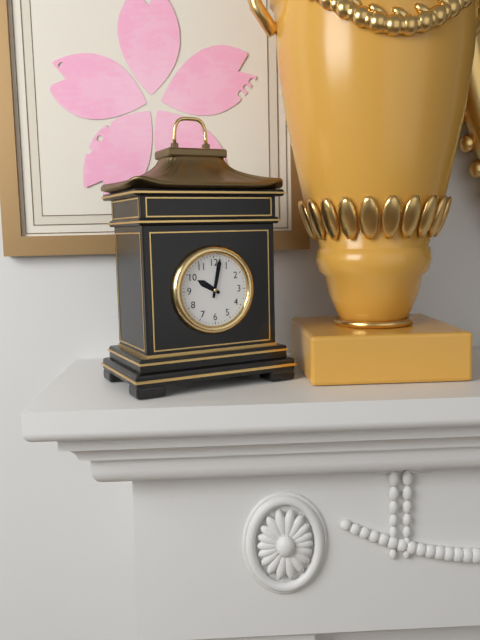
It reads 10.02
